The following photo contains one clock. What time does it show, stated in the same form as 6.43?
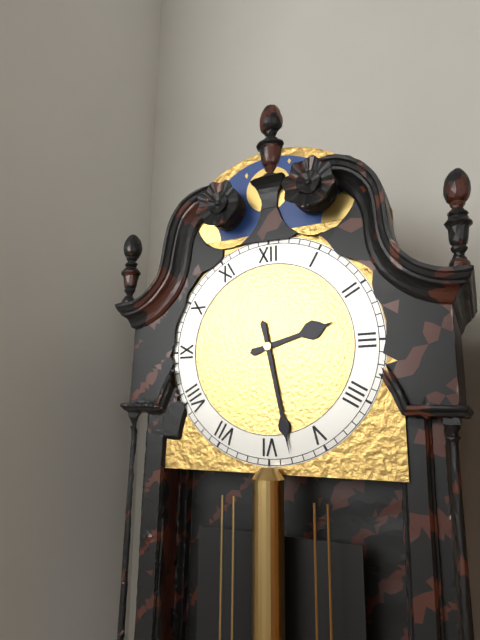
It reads 2.28
